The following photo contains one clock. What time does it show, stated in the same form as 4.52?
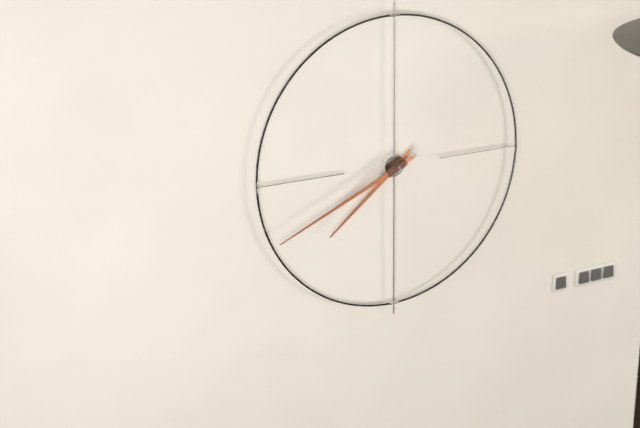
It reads 7.41
